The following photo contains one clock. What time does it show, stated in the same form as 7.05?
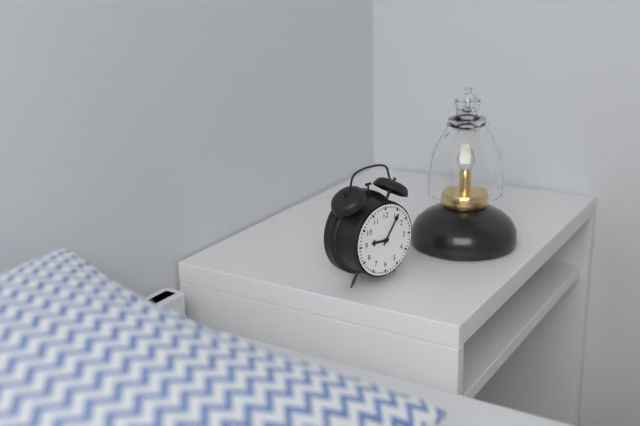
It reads 9.06
